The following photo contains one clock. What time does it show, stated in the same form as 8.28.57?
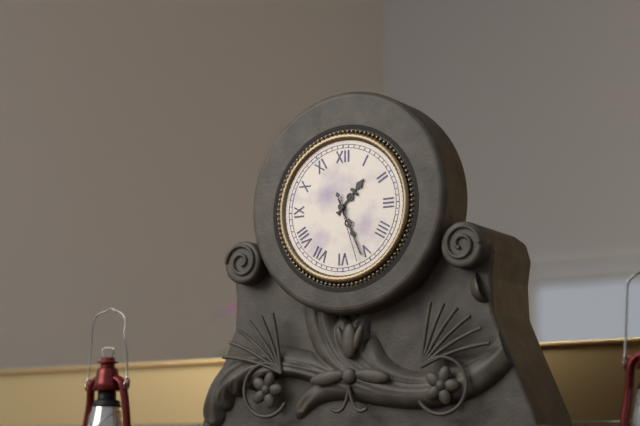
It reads 1.26.27
